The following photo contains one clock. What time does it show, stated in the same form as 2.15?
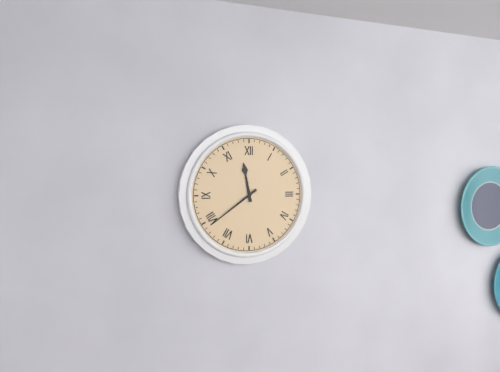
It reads 11.39
